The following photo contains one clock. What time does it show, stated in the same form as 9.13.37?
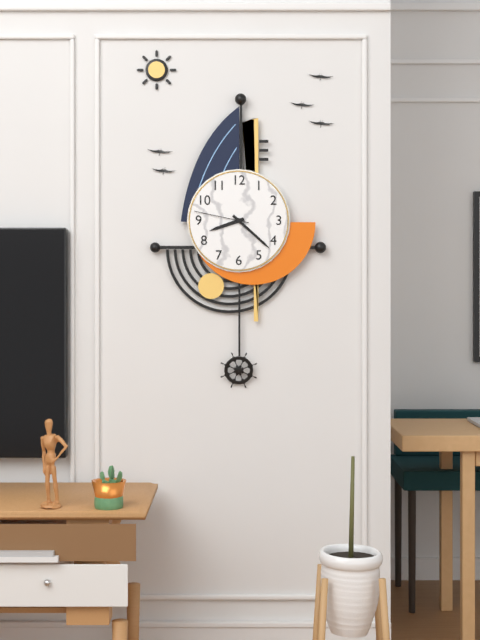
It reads 8.22.47
